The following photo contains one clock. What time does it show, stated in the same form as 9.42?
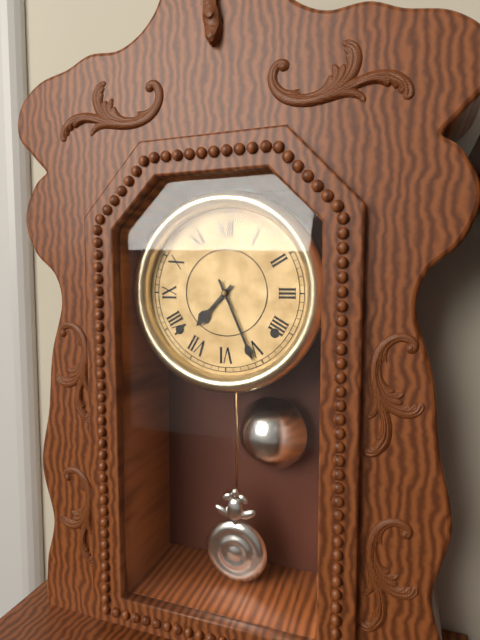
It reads 7.26
